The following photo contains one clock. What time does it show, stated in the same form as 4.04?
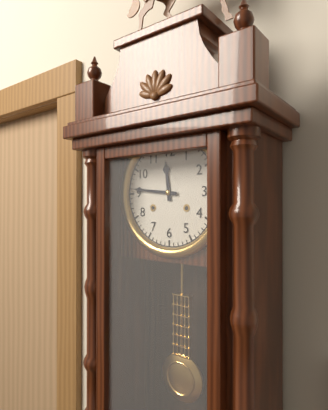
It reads 11.46
